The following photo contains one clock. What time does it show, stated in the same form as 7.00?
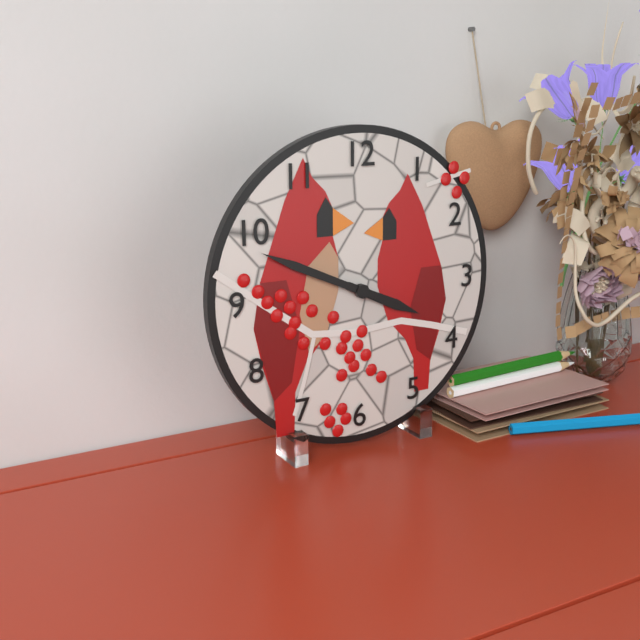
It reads 3.49
